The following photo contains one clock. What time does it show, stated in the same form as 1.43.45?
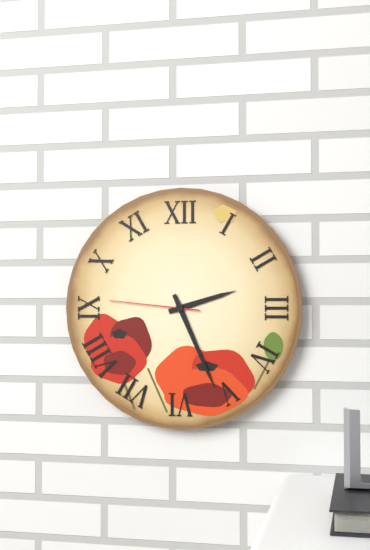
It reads 2.26.46
